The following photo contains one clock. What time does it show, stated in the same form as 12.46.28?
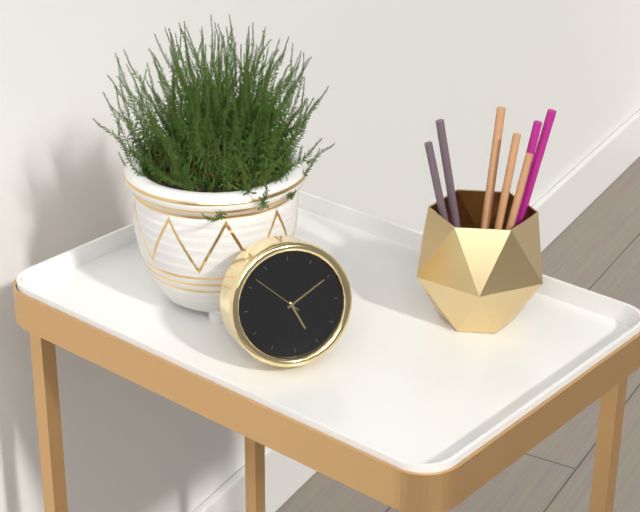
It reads 5.10.52
